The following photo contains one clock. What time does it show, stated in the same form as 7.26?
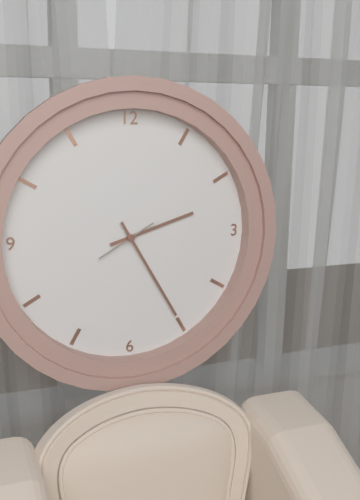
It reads 2.25
